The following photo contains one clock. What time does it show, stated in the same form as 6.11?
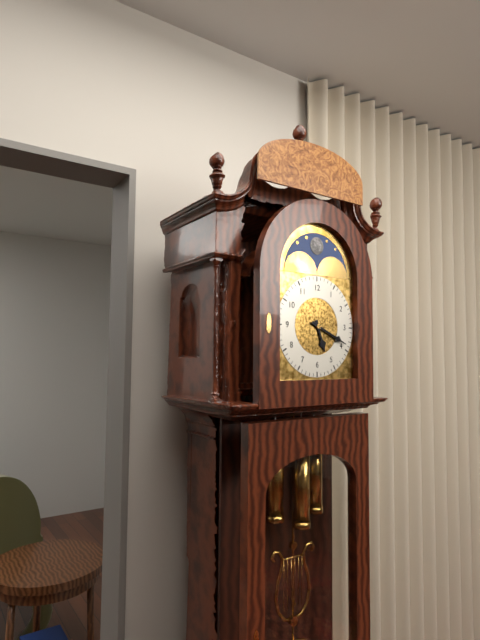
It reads 5.19
